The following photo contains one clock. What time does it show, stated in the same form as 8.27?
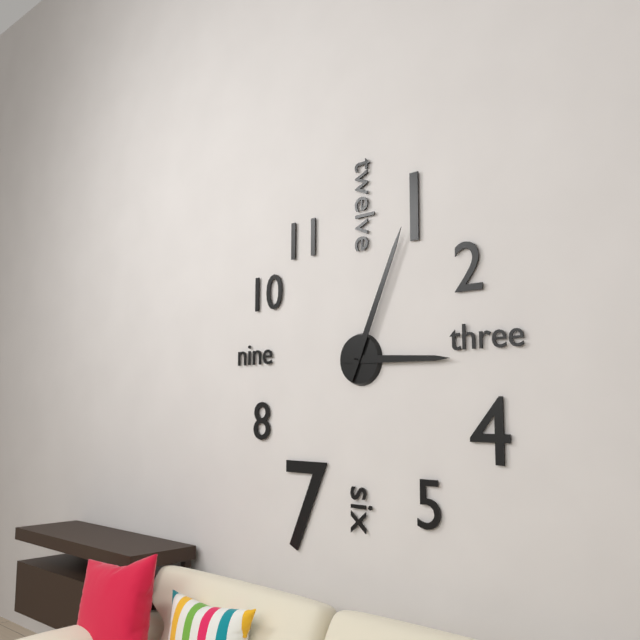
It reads 3.04
